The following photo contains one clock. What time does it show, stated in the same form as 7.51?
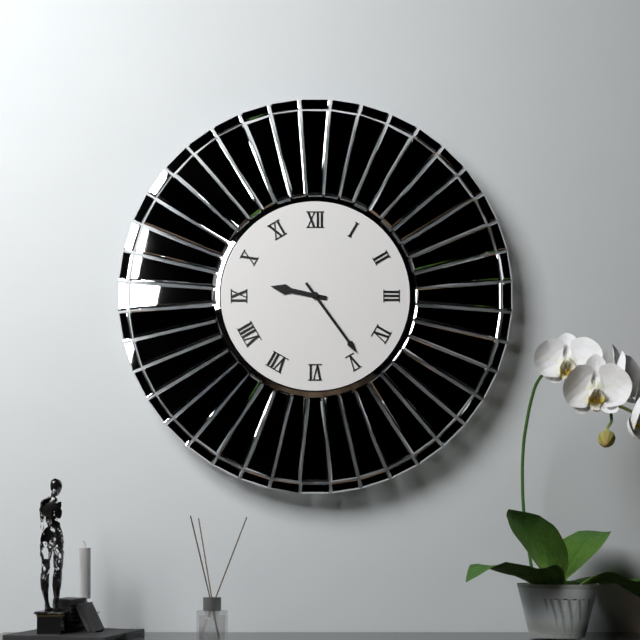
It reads 9.24
